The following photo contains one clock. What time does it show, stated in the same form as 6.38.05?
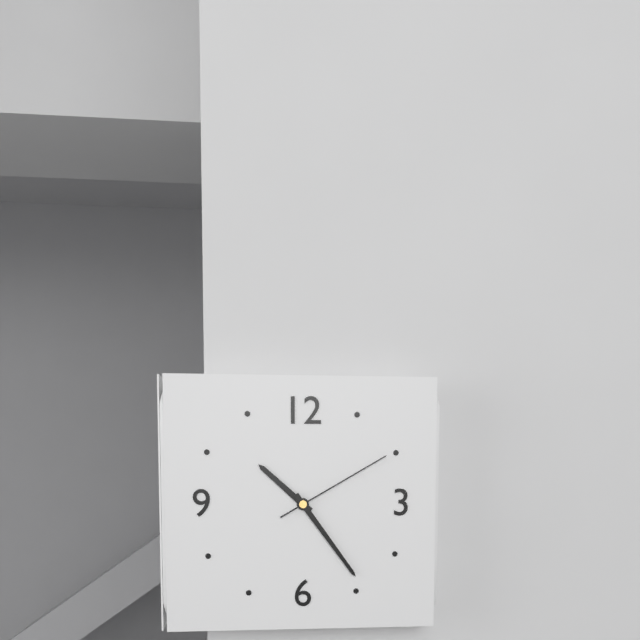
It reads 10.24.10
